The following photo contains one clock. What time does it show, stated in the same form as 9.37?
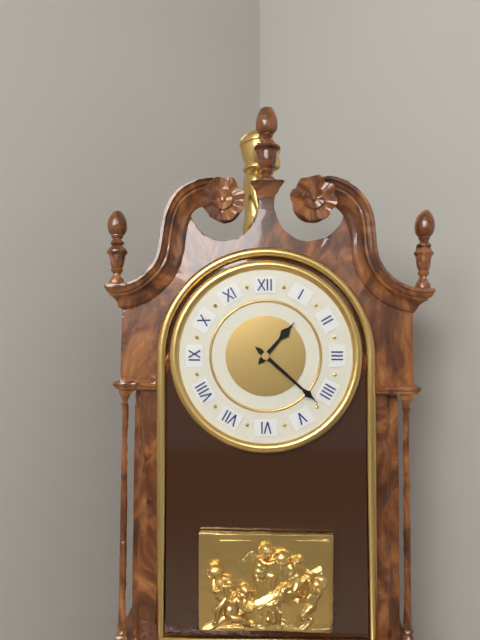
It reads 1.22
